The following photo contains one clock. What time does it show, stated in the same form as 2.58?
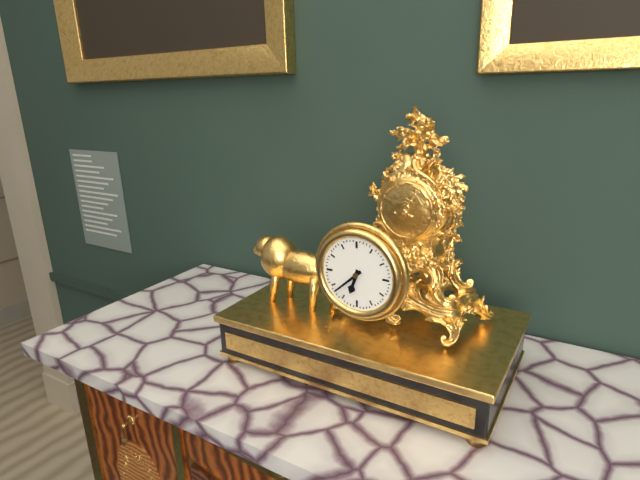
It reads 6.38
